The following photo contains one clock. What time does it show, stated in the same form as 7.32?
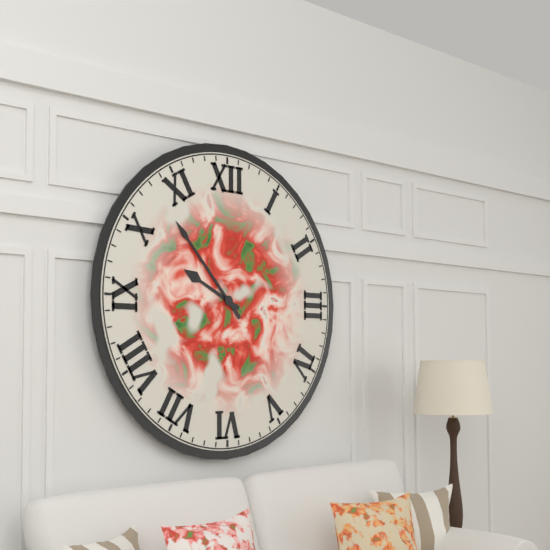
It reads 9.53
